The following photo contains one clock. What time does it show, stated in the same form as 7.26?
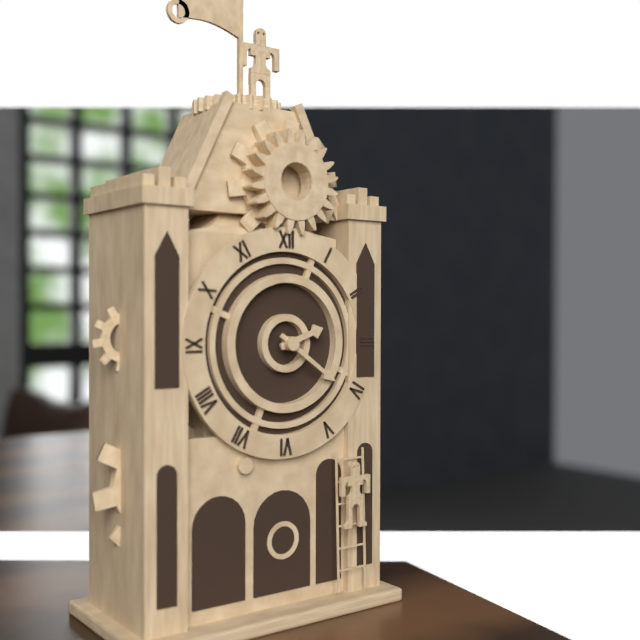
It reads 2.21
